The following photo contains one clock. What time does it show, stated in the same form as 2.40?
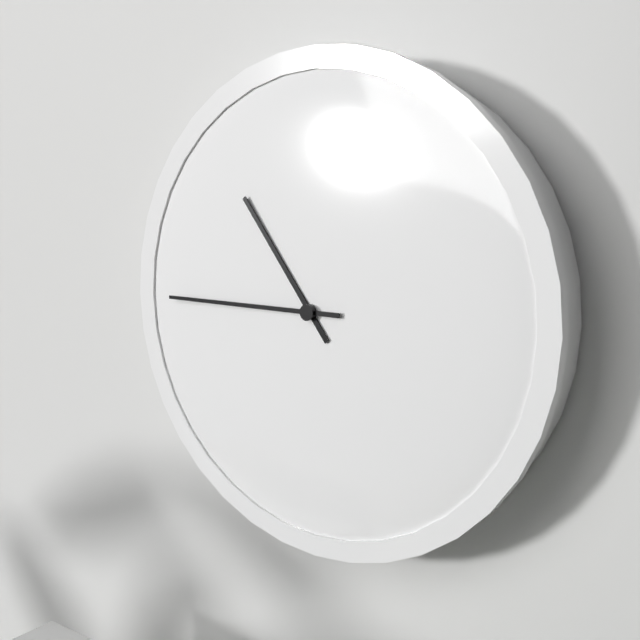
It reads 10.45
